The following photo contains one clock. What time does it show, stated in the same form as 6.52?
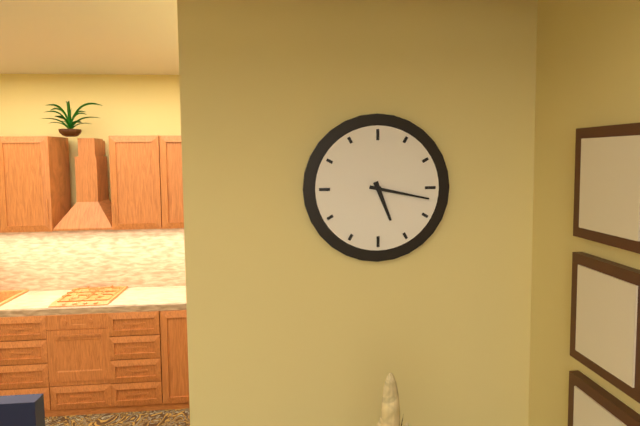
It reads 5.17
